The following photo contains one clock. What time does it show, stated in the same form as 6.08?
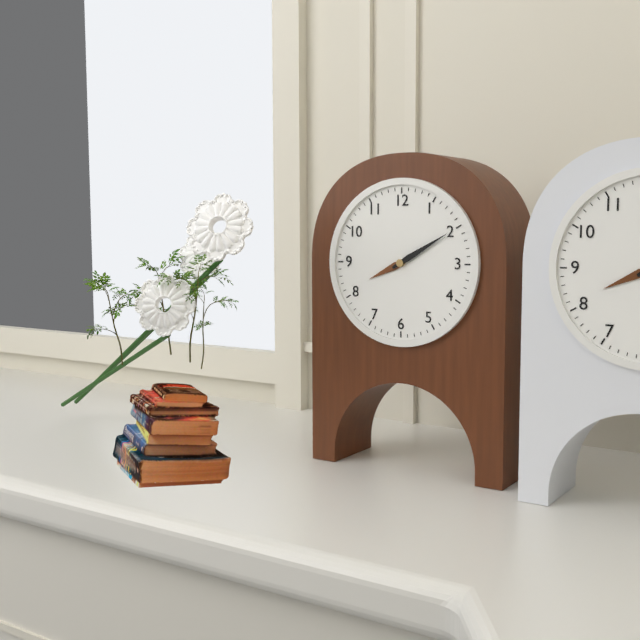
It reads 8.10
